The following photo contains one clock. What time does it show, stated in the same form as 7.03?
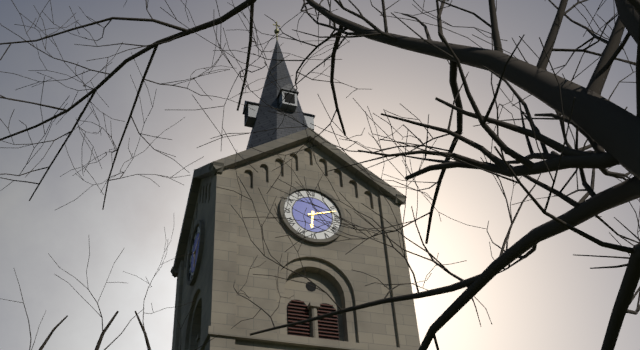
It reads 6.12
